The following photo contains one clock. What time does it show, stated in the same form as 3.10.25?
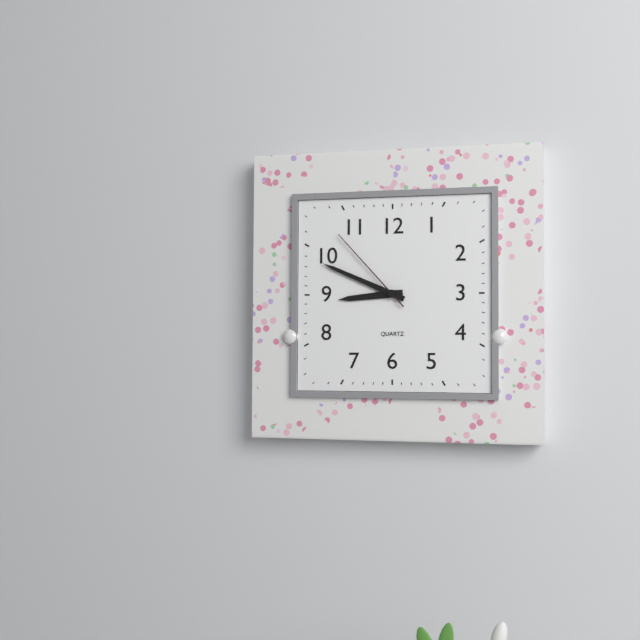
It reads 8.49.53
